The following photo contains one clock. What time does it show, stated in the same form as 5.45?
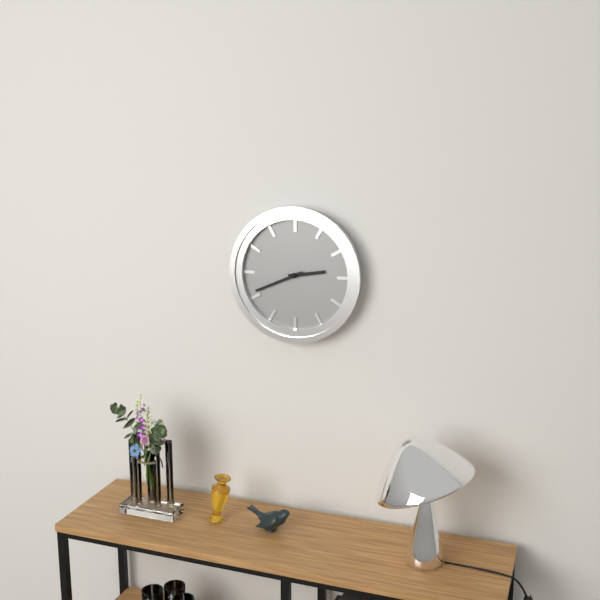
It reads 2.41
